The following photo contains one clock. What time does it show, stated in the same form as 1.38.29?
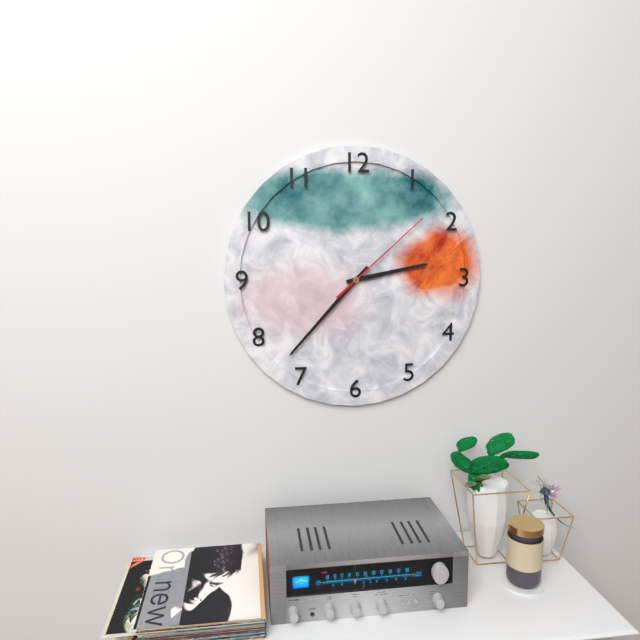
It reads 2.37.08
